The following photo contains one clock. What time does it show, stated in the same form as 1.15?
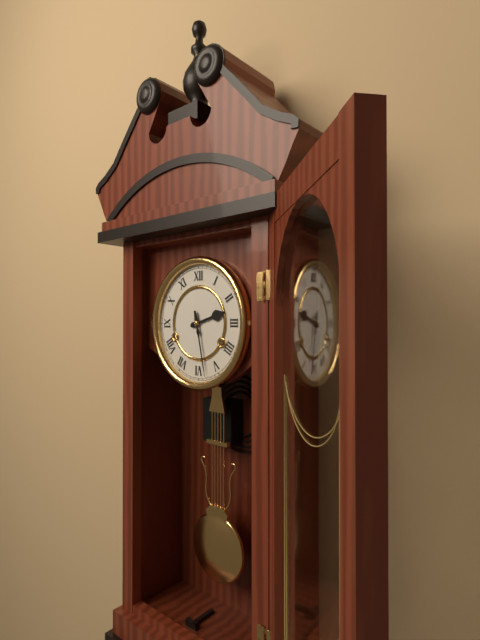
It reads 2.28
